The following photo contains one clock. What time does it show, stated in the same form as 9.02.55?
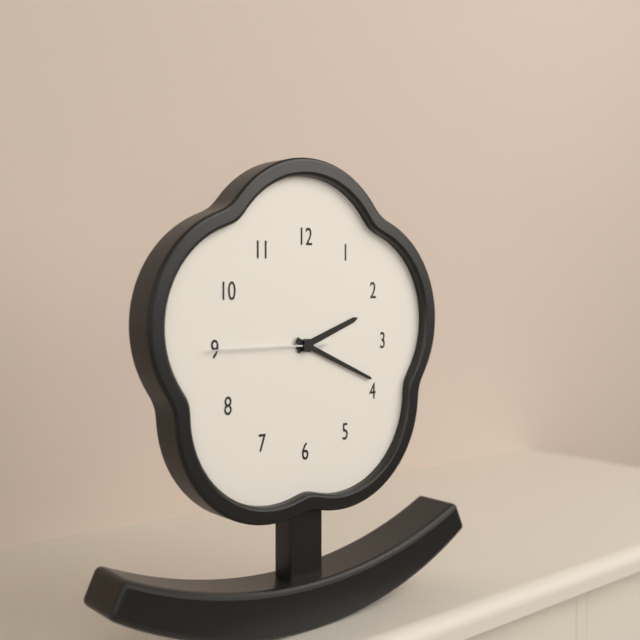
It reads 2.19.45
